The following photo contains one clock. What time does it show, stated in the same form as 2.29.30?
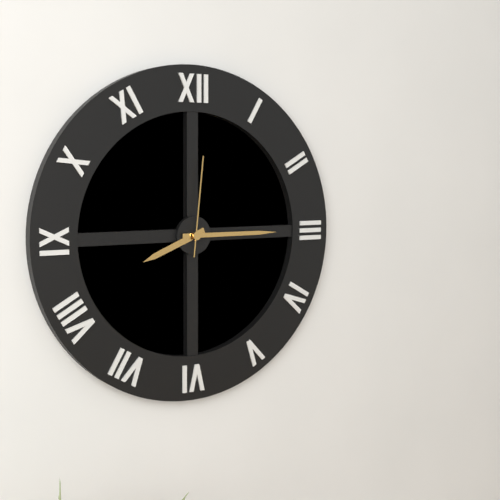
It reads 8.15.01
